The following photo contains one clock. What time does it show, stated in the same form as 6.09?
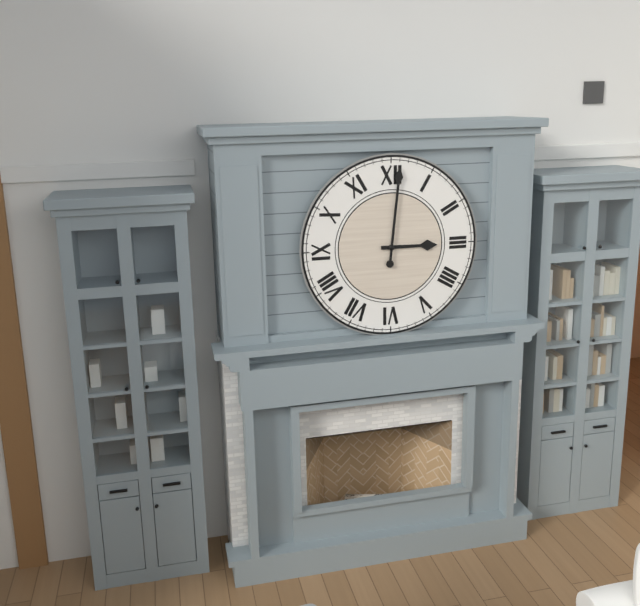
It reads 3.01
